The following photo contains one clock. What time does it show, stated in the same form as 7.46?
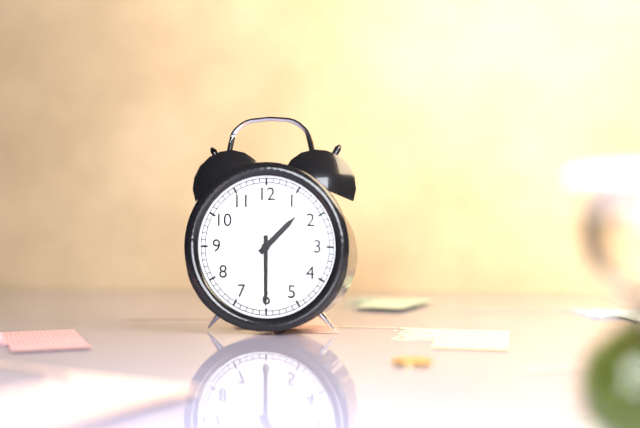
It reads 1.30
